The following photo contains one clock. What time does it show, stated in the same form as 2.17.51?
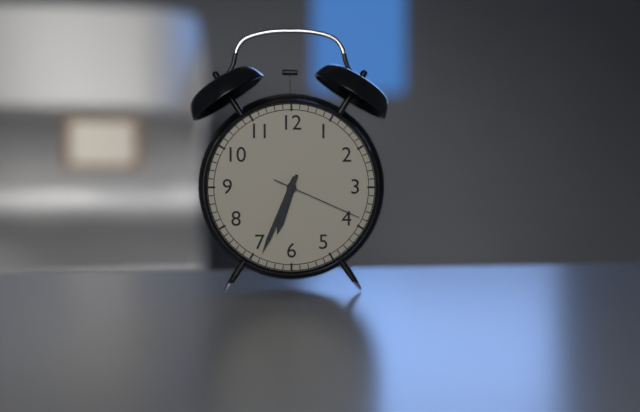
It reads 6.34.19
